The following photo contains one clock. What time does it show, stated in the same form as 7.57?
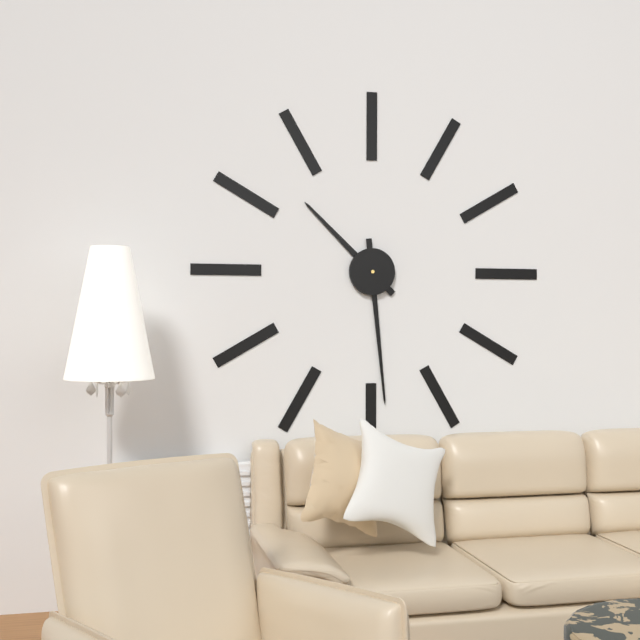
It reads 10.29
